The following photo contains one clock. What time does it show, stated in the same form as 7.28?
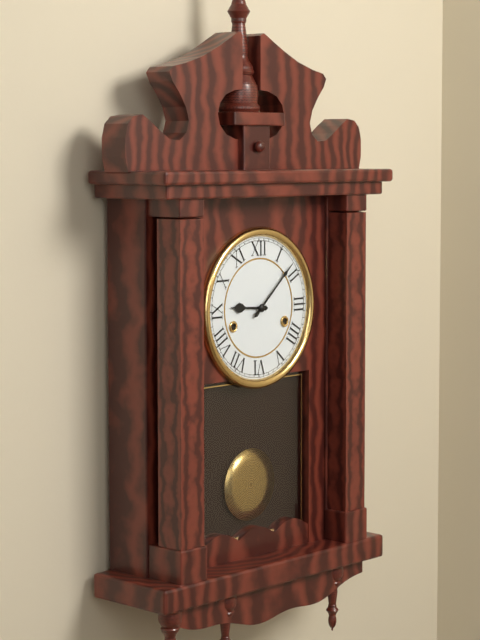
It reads 9.08
